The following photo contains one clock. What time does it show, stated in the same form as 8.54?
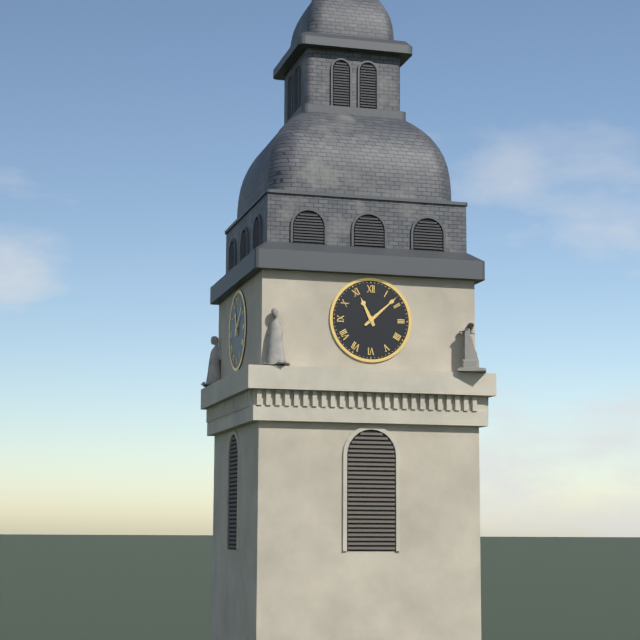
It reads 11.08
